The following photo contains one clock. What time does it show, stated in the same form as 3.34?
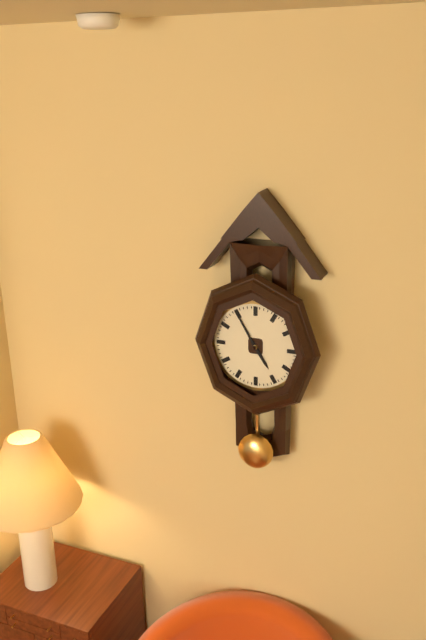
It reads 4.55
